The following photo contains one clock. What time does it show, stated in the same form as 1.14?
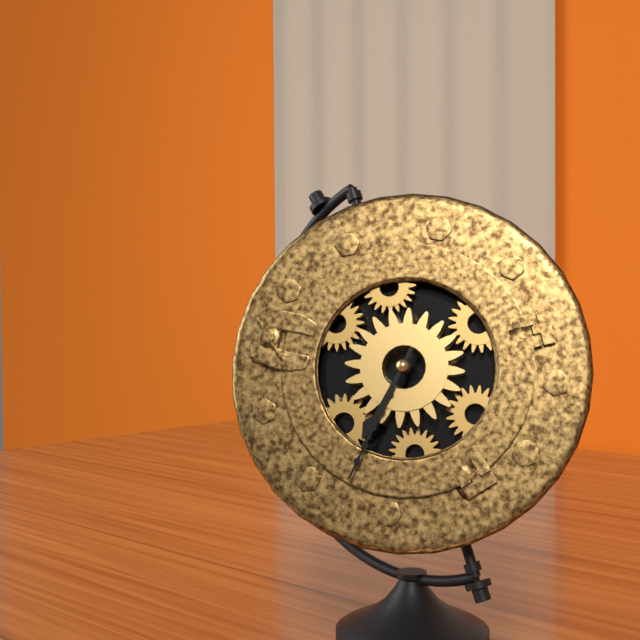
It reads 6.32
